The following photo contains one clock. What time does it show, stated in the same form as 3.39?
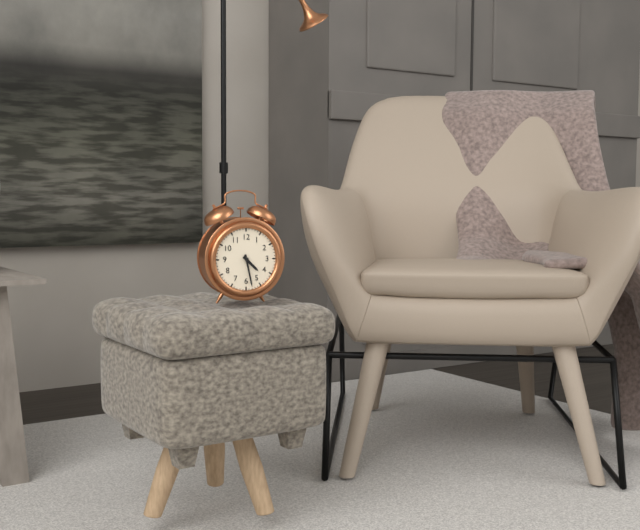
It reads 4.28
